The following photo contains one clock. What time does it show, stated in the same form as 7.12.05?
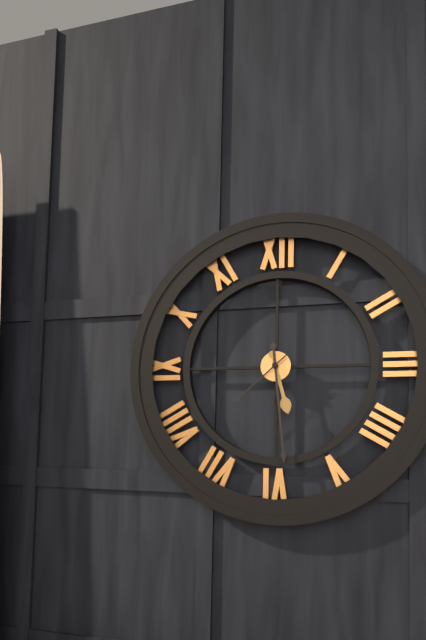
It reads 5.29.38
